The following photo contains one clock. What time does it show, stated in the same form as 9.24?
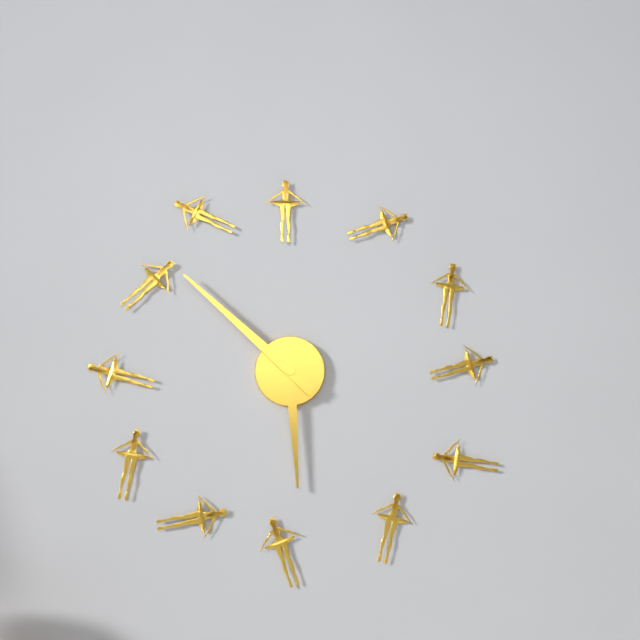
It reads 5.52
